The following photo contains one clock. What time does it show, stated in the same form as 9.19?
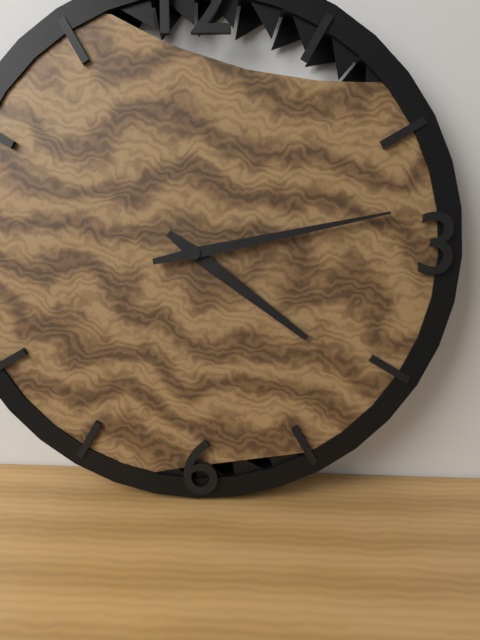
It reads 4.13
